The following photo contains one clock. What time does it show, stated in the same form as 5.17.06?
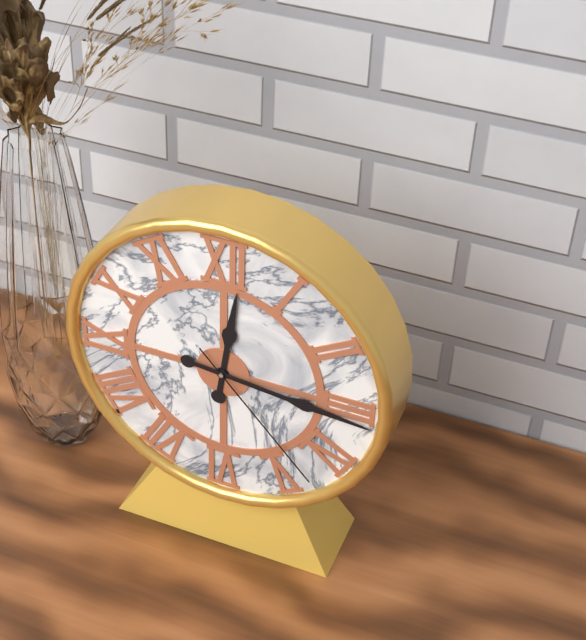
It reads 12.16.23
